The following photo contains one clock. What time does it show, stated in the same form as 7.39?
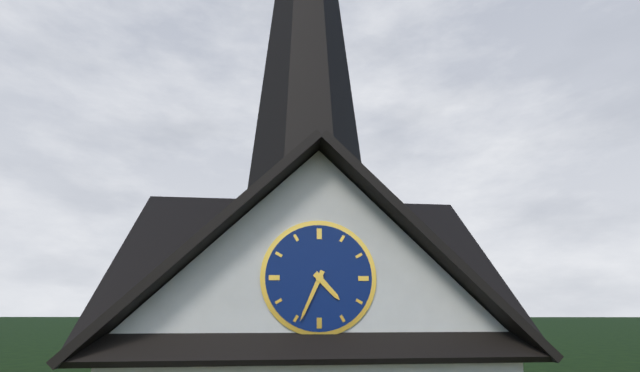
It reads 4.34
